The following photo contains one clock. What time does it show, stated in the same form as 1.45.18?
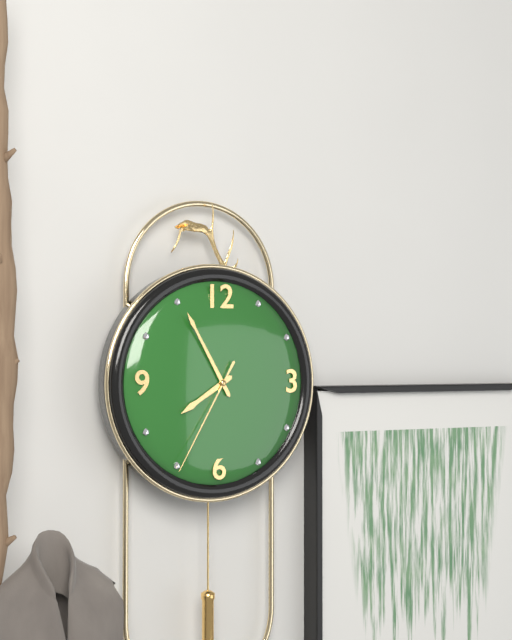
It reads 7.55.35
